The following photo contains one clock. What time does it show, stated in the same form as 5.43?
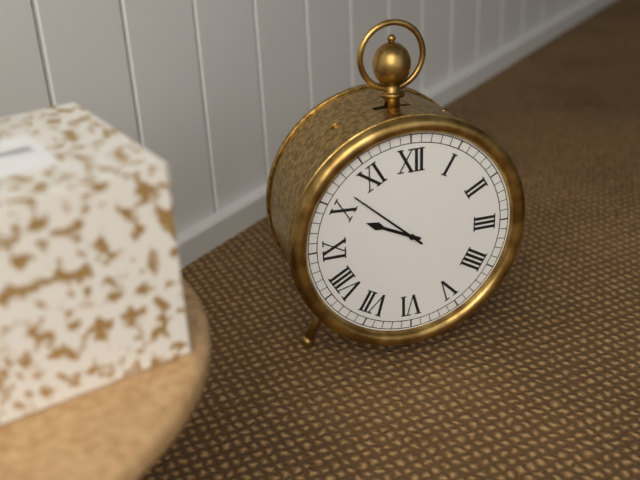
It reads 9.52
